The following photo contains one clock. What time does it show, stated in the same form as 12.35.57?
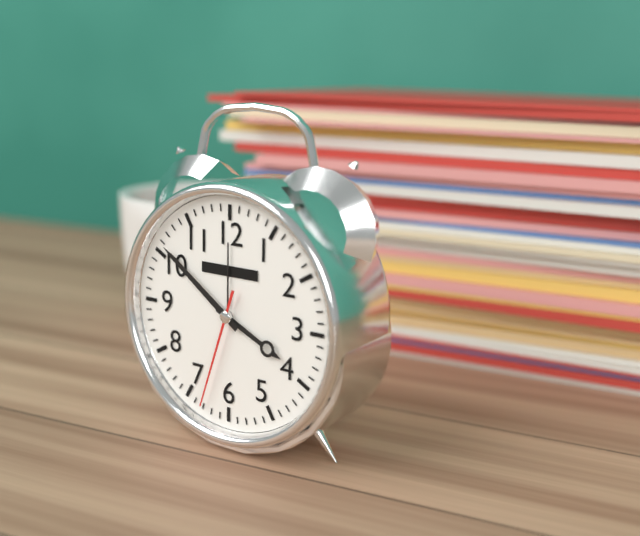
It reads 3.51.33
